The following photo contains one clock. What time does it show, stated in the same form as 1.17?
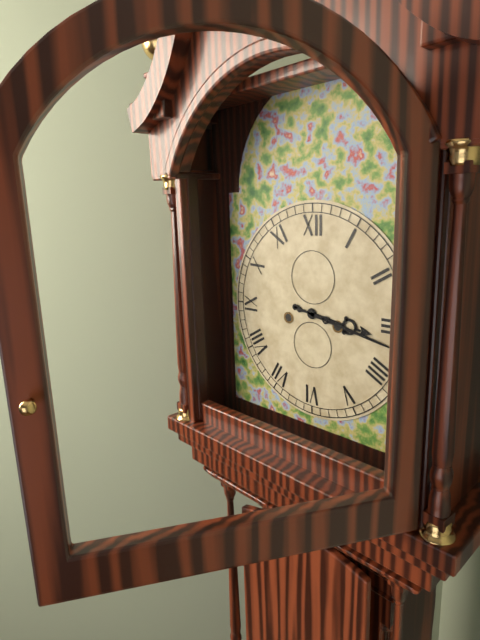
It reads 3.17
